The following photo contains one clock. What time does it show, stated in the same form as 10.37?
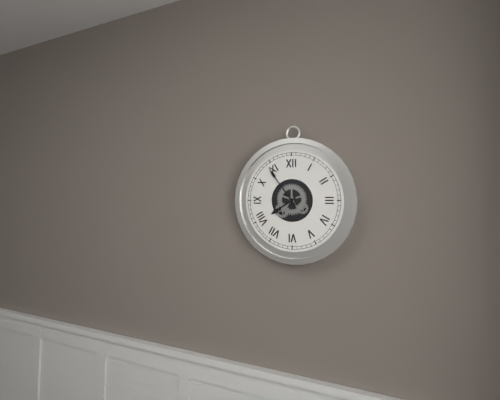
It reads 7.54
